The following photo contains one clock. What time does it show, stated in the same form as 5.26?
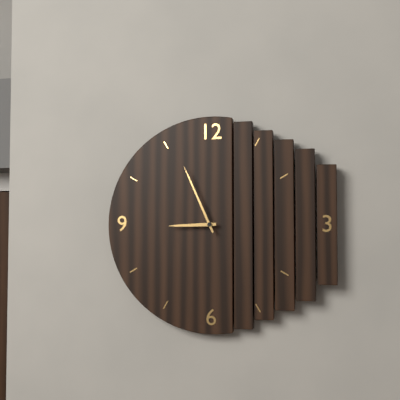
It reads 8.56
